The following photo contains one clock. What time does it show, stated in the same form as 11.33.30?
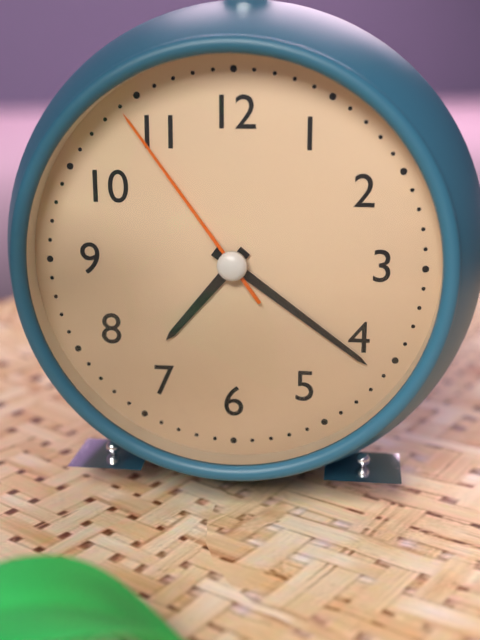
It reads 7.21.54
